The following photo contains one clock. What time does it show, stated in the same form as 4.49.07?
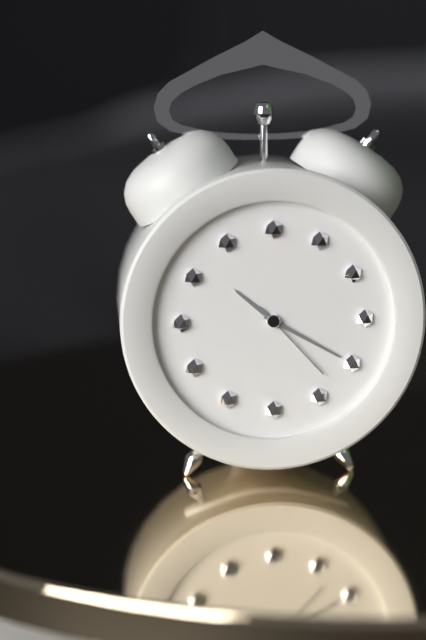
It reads 10.20.23
